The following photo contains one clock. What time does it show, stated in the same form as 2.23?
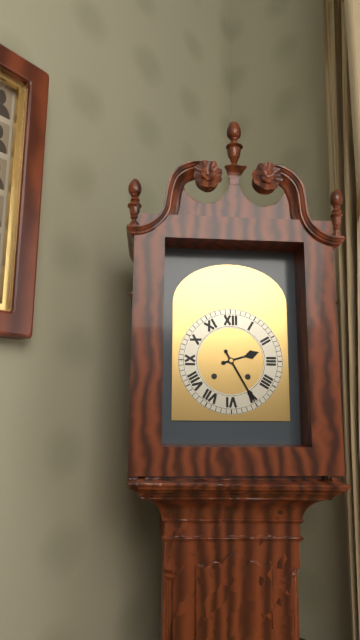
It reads 2.25
